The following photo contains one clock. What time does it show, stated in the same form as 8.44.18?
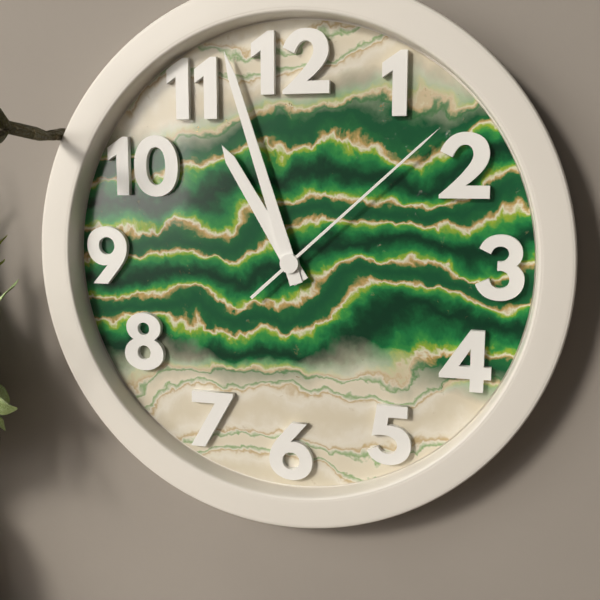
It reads 10.57.08
